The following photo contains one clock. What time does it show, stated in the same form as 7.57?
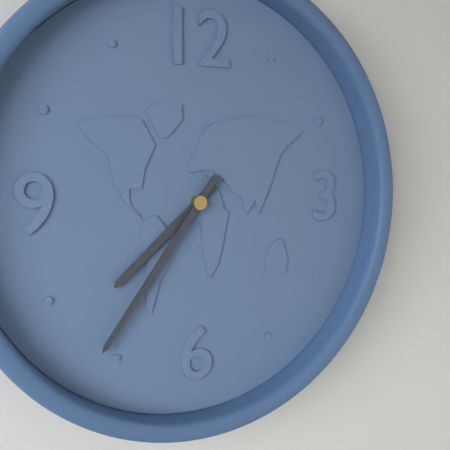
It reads 7.36
